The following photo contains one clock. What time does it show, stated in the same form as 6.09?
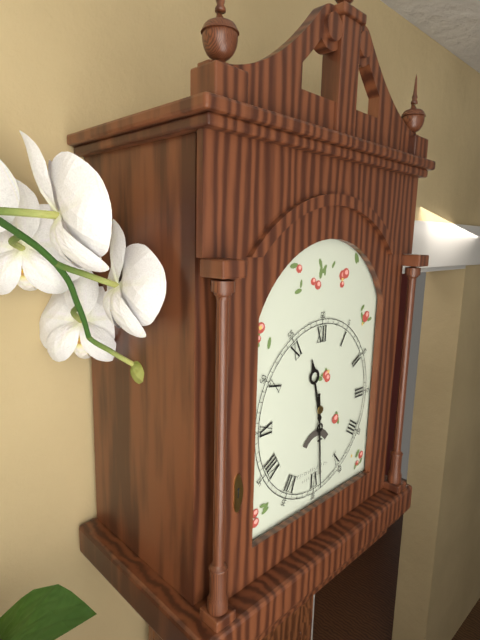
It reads 11.29
